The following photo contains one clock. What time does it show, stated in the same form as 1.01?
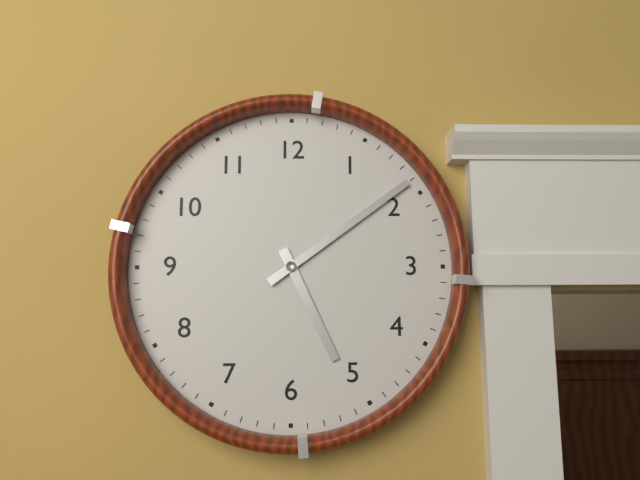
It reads 5.09
